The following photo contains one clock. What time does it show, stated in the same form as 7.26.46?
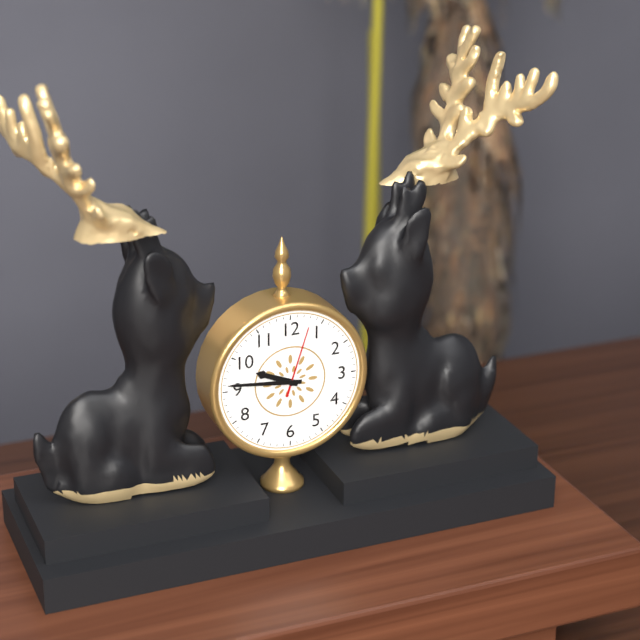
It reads 9.46.03
